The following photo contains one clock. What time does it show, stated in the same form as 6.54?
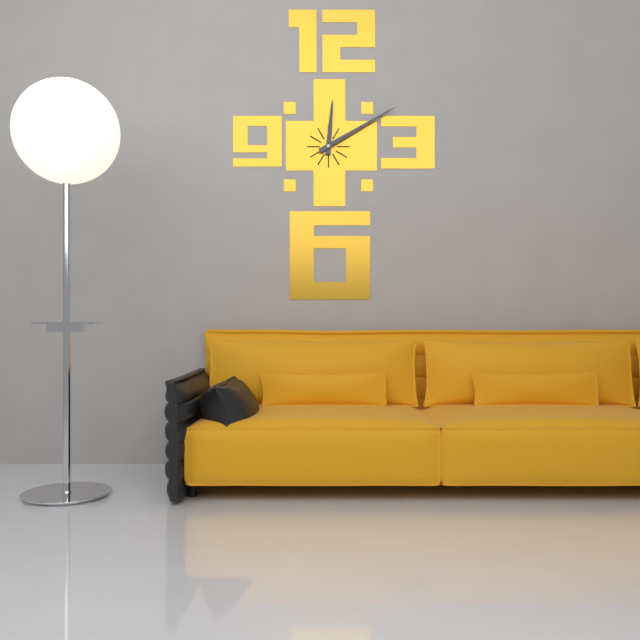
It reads 12.10
